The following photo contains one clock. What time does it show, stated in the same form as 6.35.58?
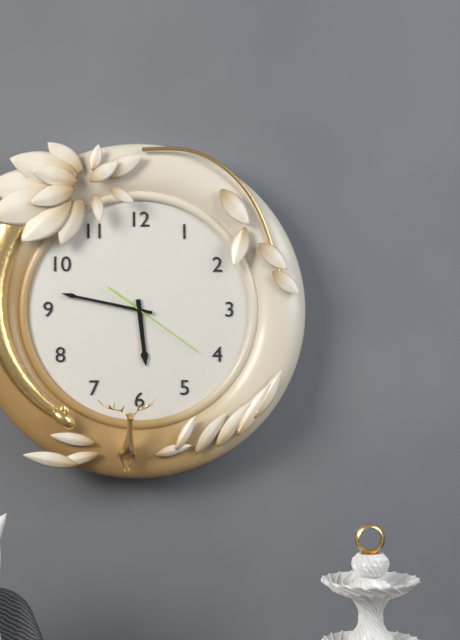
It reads 5.47.21
